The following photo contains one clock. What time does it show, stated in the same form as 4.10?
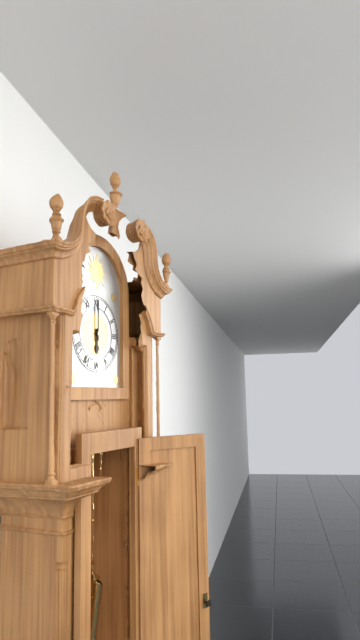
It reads 6.00
